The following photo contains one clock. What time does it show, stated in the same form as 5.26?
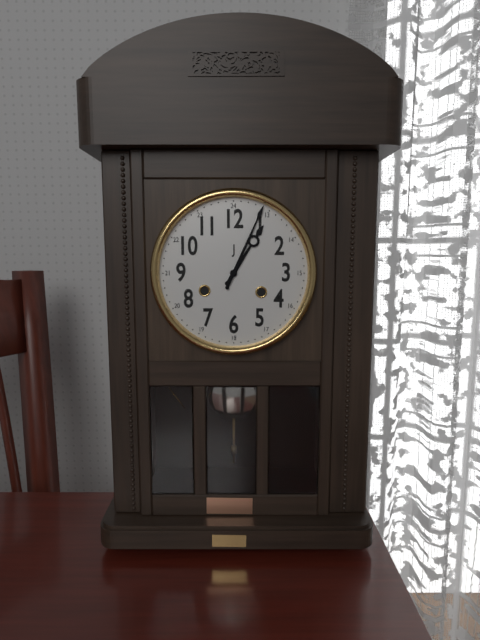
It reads 1.04
